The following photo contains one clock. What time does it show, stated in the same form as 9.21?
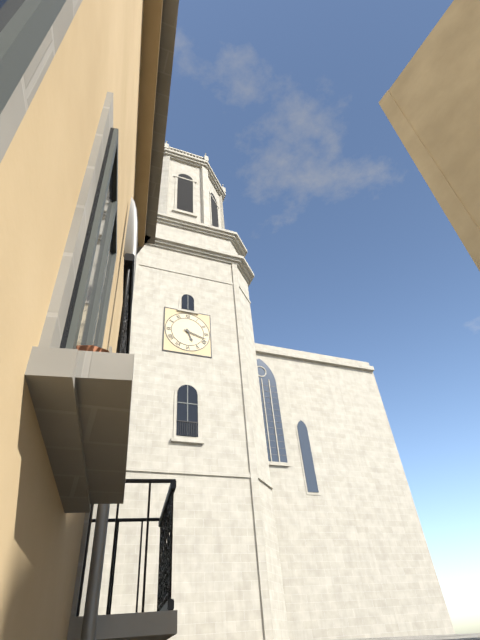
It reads 5.18
